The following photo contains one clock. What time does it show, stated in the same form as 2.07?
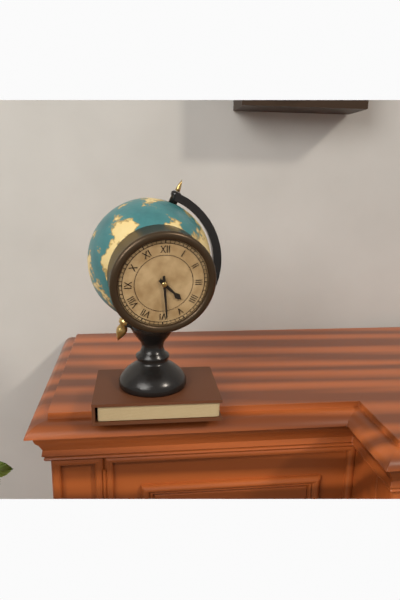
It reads 4.29
